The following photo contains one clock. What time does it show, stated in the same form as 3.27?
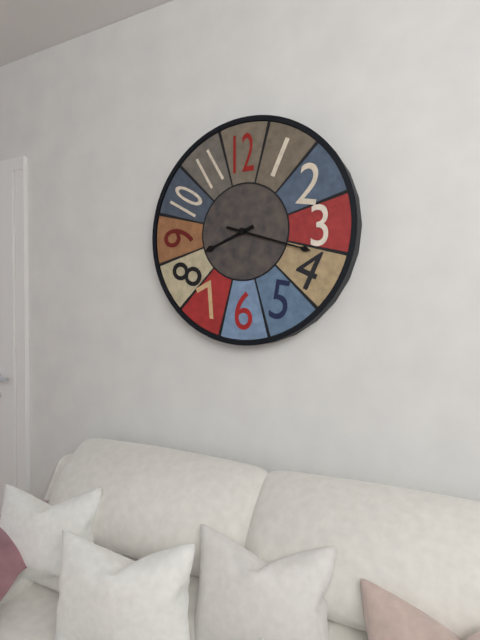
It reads 8.18
